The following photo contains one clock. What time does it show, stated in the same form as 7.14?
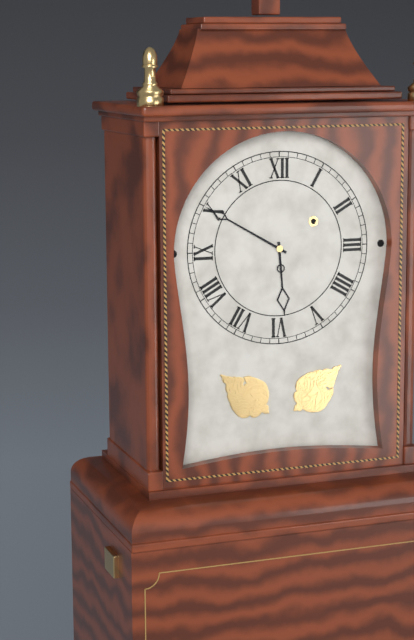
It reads 5.50
